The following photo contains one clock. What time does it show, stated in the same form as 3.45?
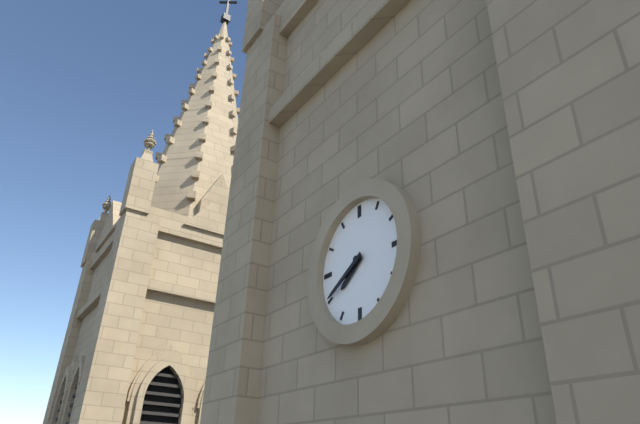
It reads 7.40
